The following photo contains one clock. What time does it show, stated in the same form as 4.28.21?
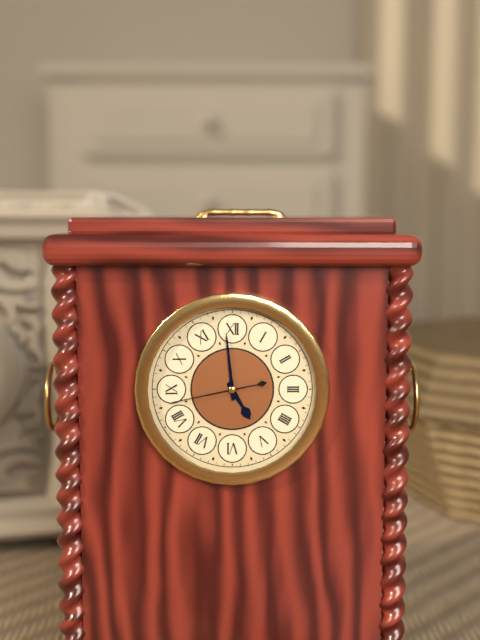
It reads 4.59.43
